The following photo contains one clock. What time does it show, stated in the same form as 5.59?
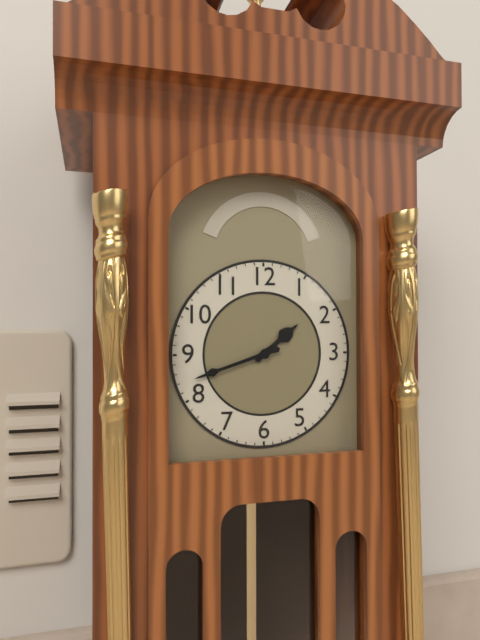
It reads 1.42
